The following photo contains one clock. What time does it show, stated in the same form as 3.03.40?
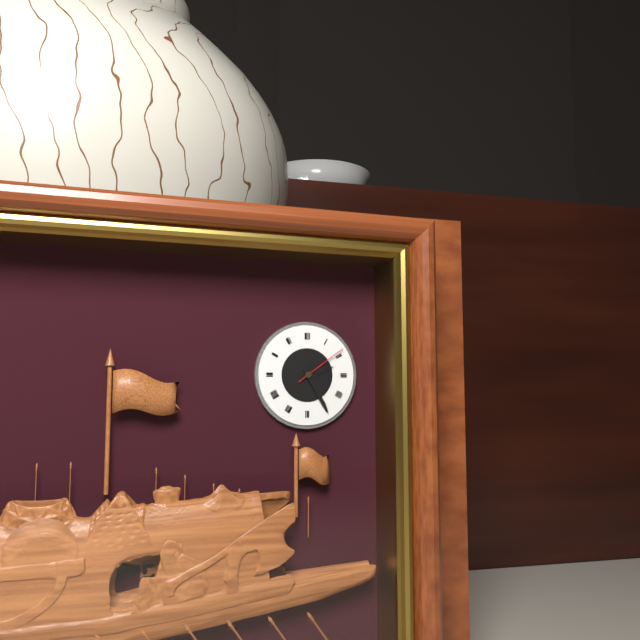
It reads 2.25.09
